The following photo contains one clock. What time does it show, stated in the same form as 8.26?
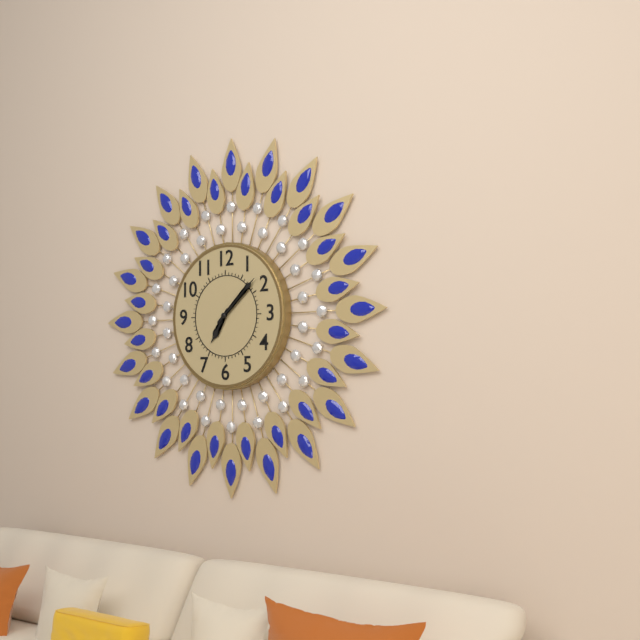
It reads 7.08
